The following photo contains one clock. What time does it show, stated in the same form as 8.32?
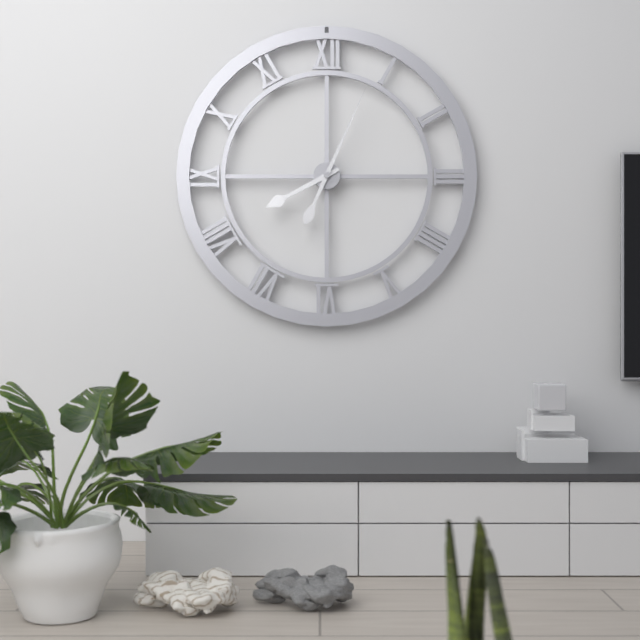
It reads 8.04
